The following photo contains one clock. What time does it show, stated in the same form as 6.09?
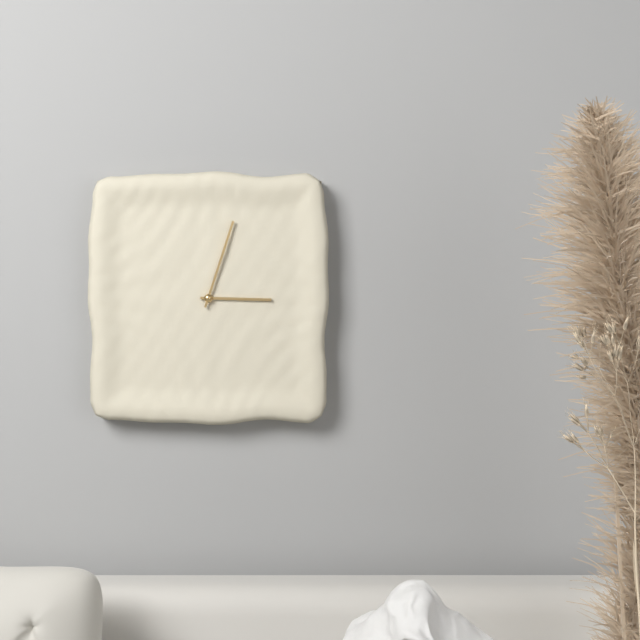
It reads 3.03
